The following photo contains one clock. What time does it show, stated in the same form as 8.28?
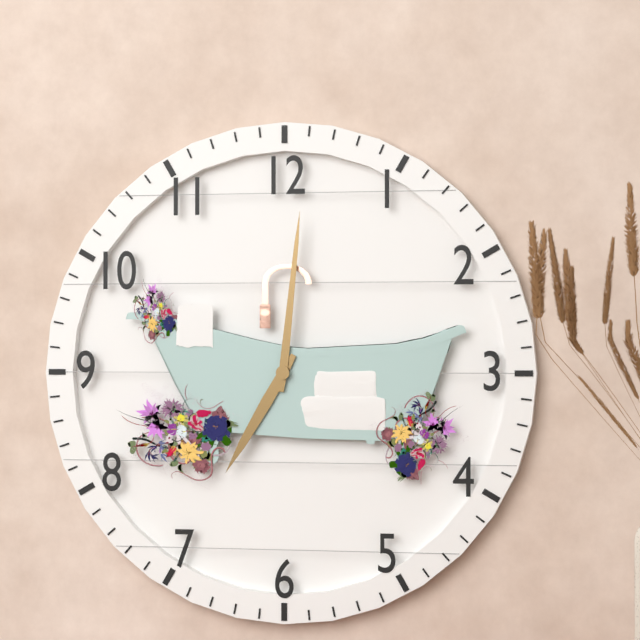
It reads 7.01
